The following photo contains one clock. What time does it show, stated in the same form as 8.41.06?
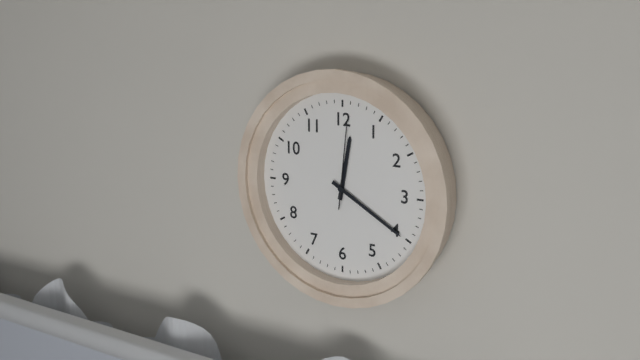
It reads 12.20.01
